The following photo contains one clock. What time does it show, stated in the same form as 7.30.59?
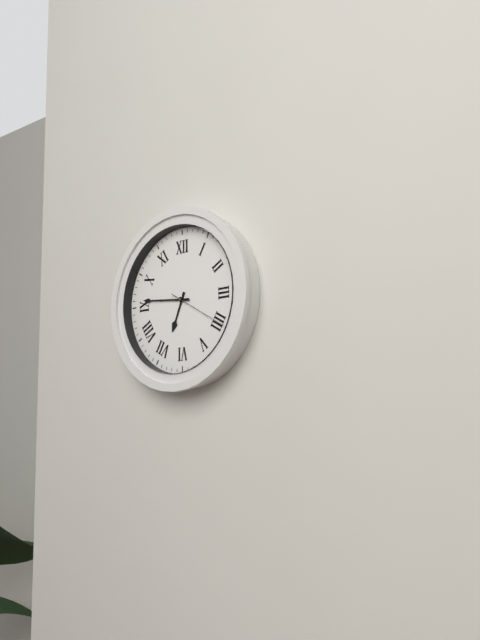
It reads 6.46.20
